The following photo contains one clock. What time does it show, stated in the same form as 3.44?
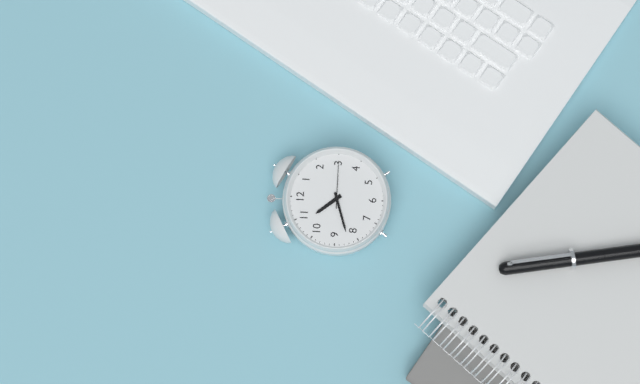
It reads 10.42
